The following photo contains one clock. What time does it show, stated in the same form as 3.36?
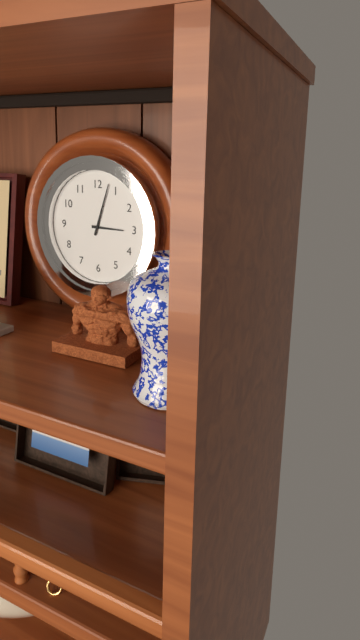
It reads 3.03
